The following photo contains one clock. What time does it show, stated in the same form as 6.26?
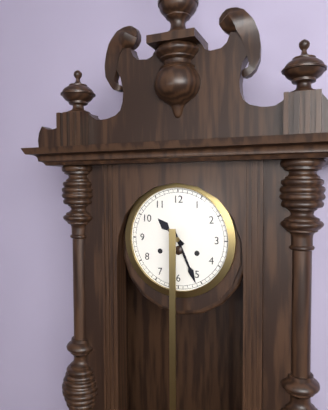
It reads 10.26
